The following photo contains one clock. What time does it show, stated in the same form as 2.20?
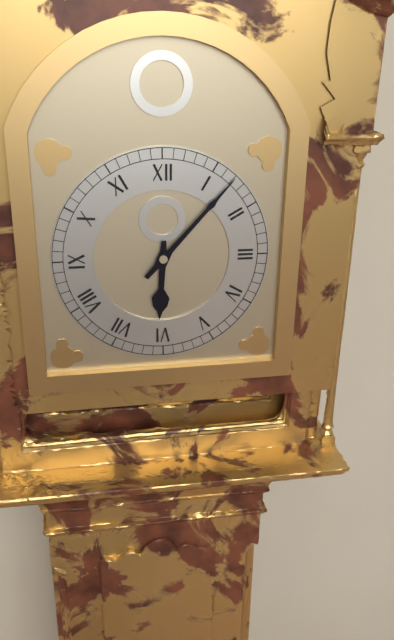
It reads 6.07
